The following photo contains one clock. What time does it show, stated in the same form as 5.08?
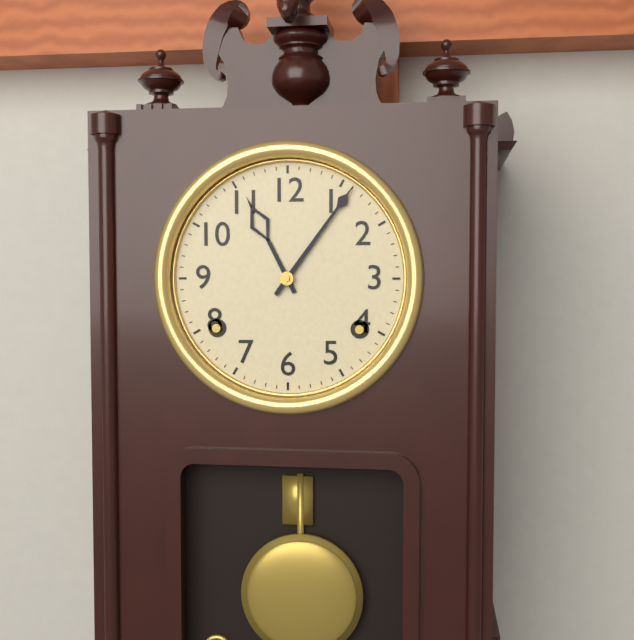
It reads 11.06
